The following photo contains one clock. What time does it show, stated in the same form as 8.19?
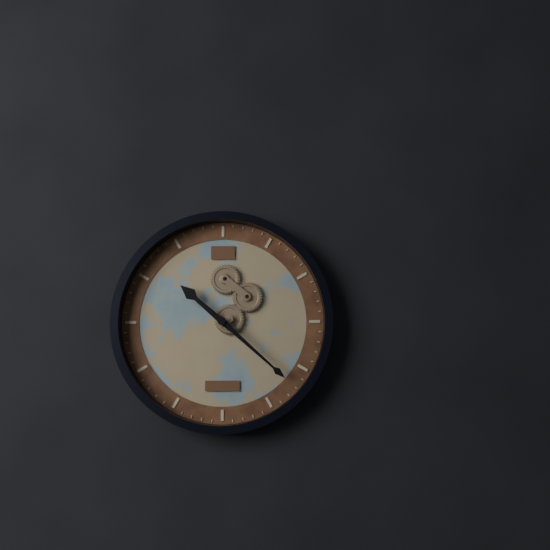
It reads 10.22
